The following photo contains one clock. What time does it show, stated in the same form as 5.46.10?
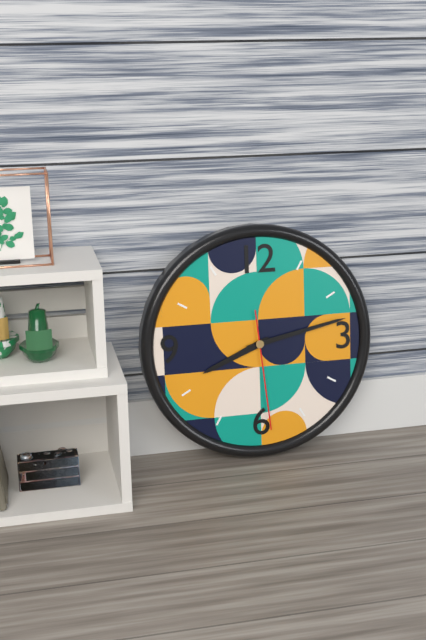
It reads 8.13.29
